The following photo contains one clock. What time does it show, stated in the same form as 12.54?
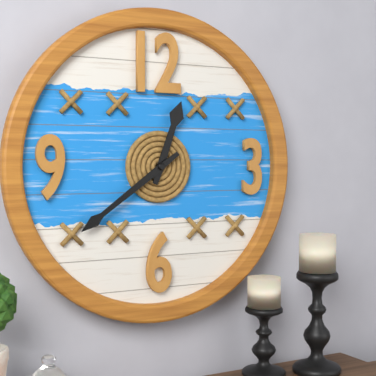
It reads 12.39
